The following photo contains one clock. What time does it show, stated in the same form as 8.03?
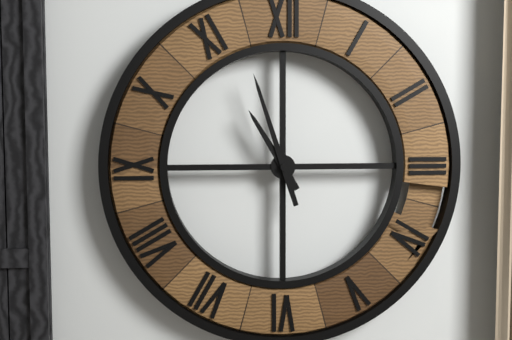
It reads 10.57
